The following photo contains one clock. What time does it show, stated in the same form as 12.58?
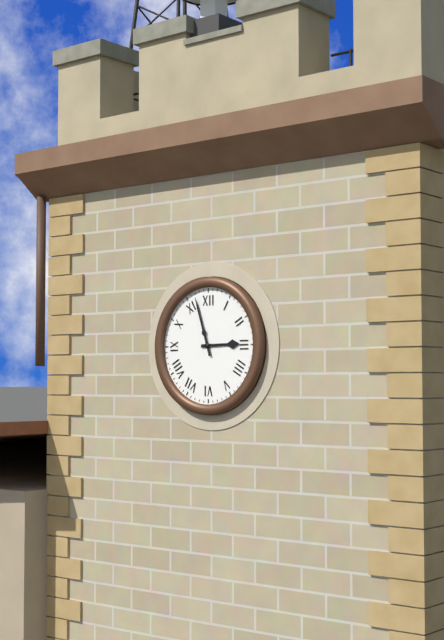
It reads 2.57
